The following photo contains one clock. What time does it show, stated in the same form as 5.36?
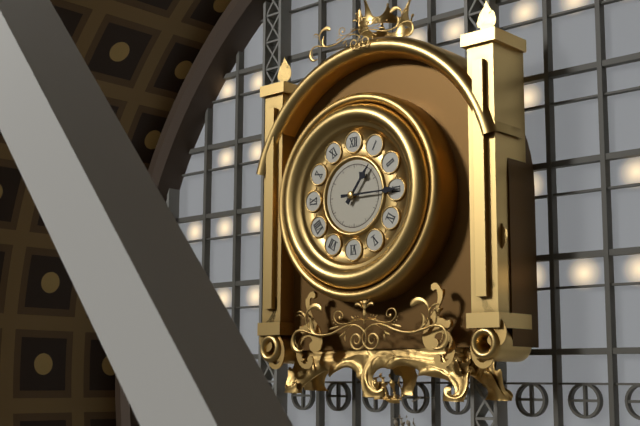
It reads 1.15
